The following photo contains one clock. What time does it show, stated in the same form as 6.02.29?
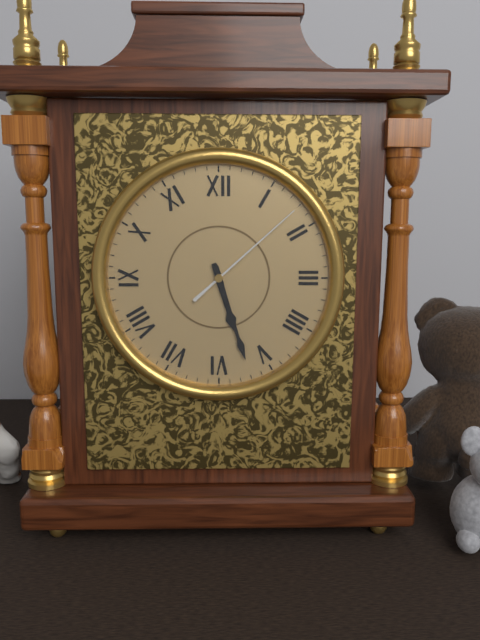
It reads 5.27.08
